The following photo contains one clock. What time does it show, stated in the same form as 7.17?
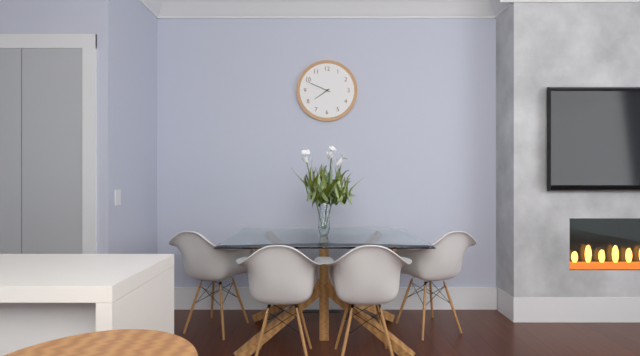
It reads 7.49
